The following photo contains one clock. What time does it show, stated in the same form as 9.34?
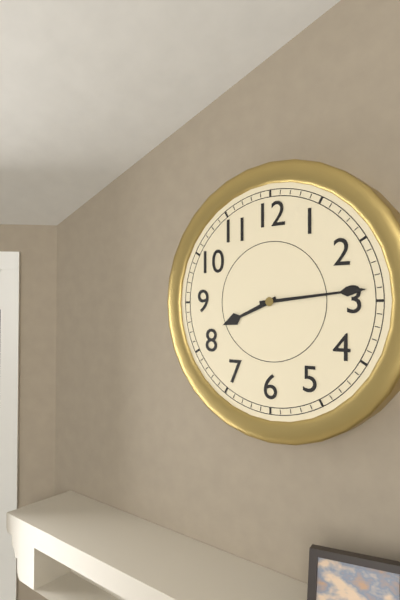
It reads 8.14
